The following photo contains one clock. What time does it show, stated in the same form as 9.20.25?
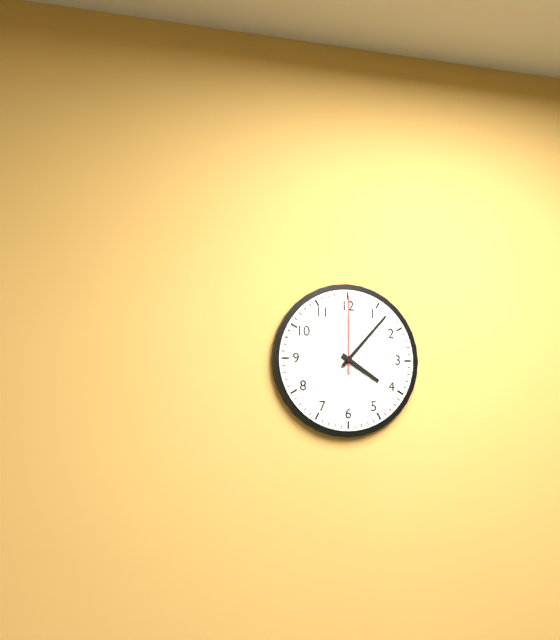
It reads 4.07.00
